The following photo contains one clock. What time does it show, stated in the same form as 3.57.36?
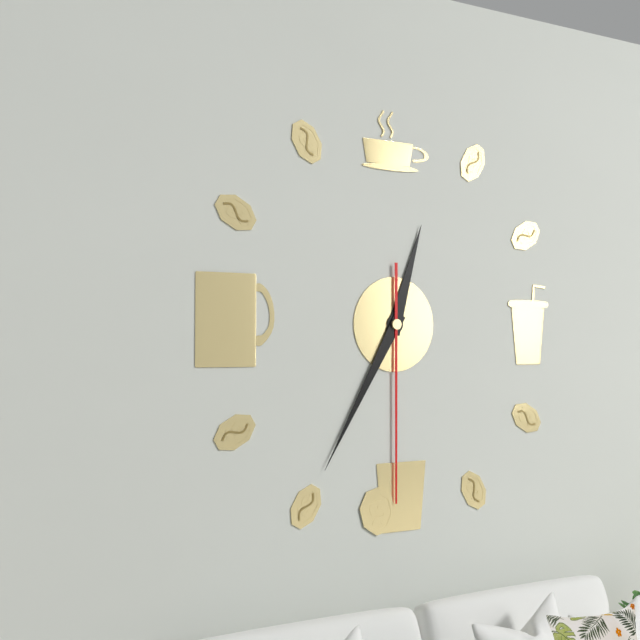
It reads 12.35.30
